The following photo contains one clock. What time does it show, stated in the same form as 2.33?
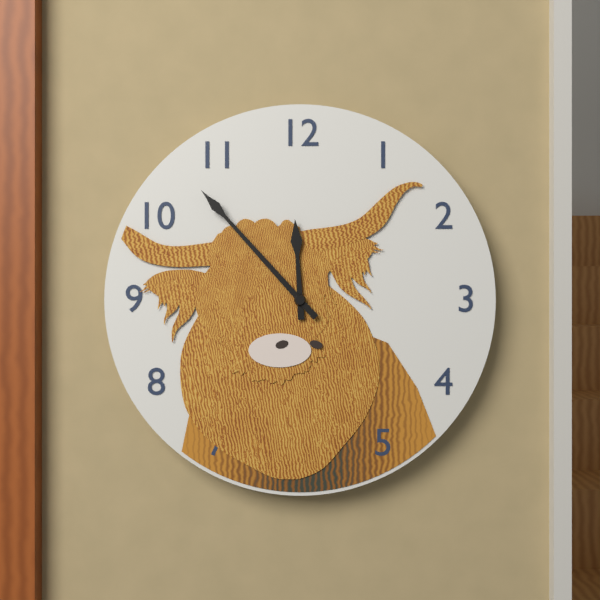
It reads 11.53
